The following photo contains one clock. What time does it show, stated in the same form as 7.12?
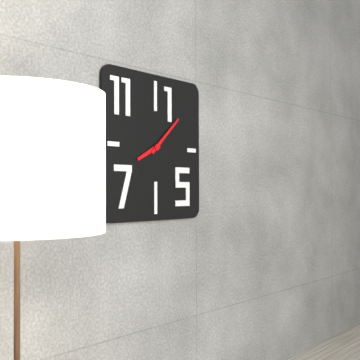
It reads 8.08
